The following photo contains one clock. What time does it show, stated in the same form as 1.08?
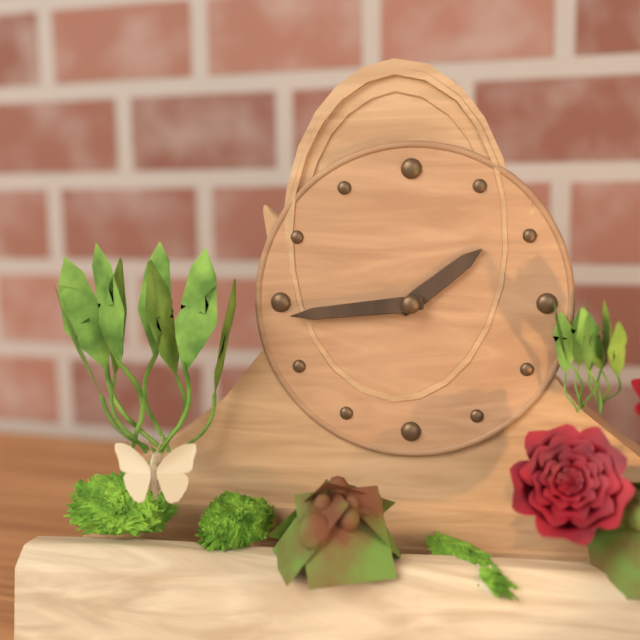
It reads 1.44
